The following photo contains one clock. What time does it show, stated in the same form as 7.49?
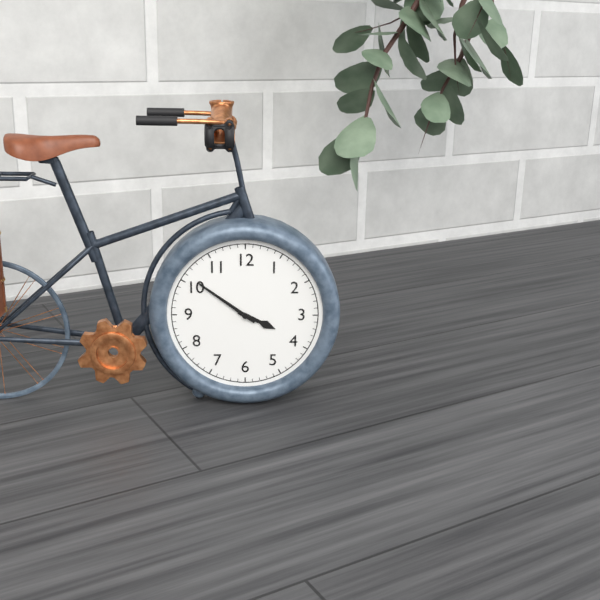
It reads 3.51
